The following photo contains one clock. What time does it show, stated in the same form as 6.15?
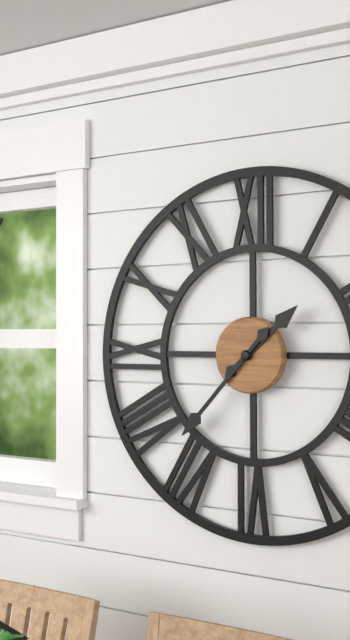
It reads 1.37
